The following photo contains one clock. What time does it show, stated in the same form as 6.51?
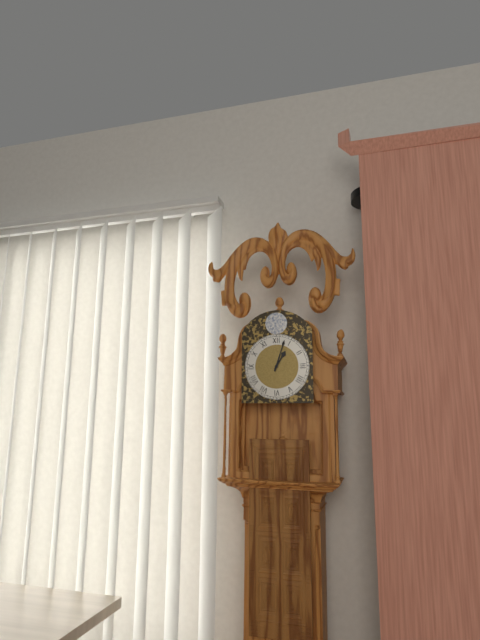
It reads 1.03
